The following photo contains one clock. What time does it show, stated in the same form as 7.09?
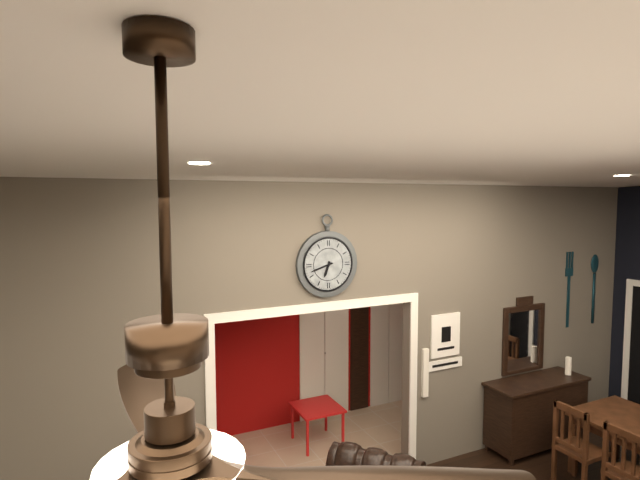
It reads 6.42
